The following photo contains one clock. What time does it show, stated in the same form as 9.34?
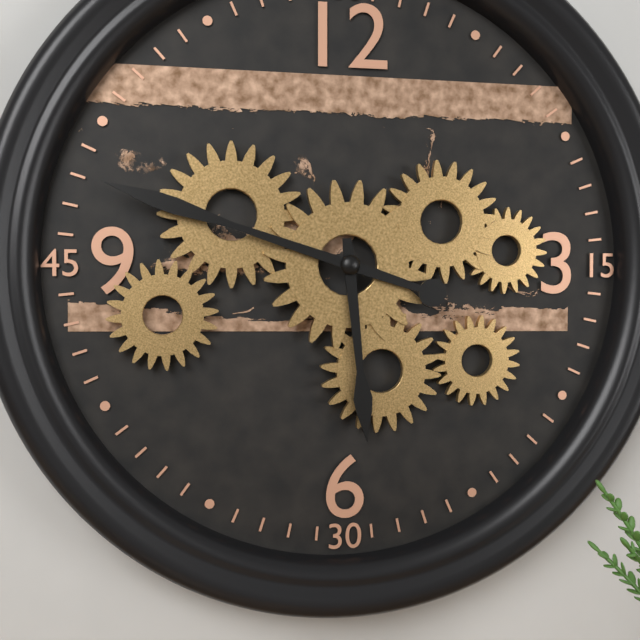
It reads 5.48
